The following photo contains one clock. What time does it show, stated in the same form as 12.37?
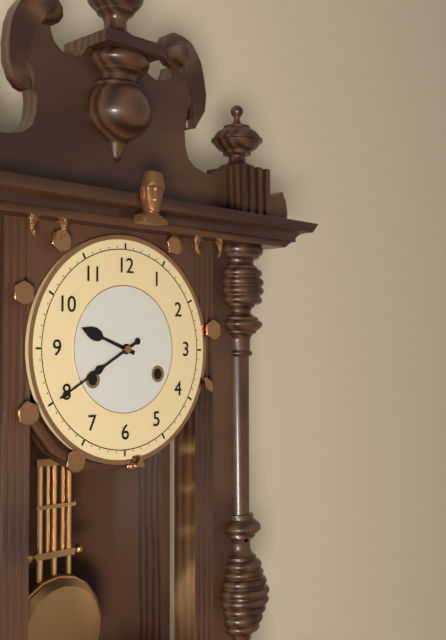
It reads 9.40
